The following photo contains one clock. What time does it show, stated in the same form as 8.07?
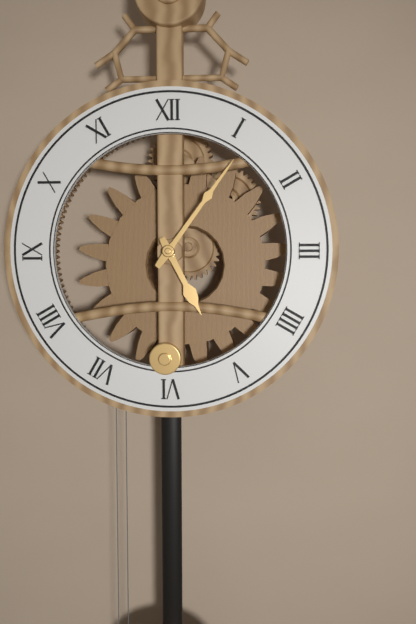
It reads 5.06
